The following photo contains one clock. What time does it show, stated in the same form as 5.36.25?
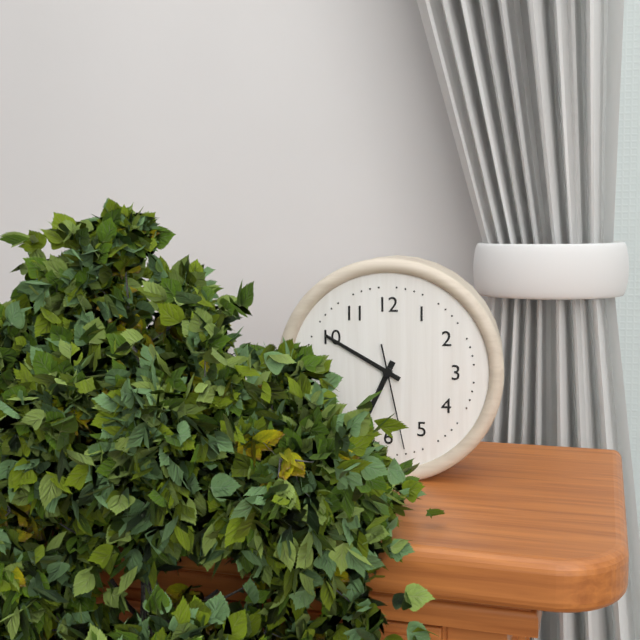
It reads 6.50.28
